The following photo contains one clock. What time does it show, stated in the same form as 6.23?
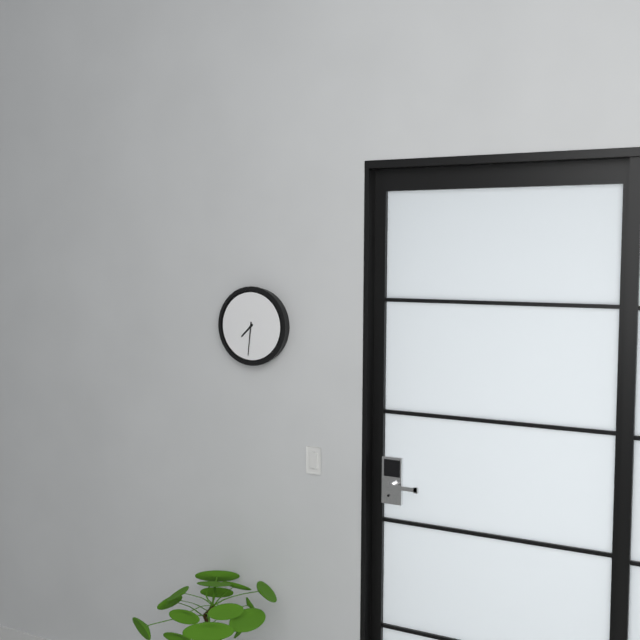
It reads 7.31
